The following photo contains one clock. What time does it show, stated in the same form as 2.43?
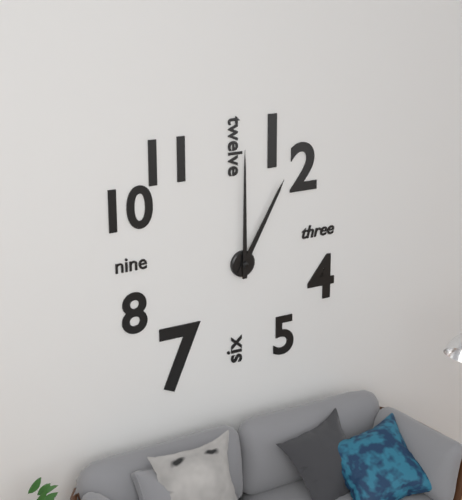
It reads 1.00
